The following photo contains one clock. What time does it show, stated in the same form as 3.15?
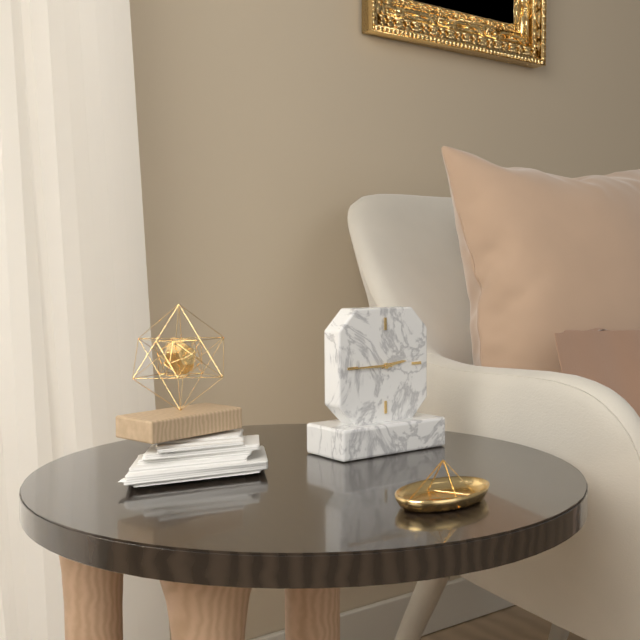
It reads 2.45
